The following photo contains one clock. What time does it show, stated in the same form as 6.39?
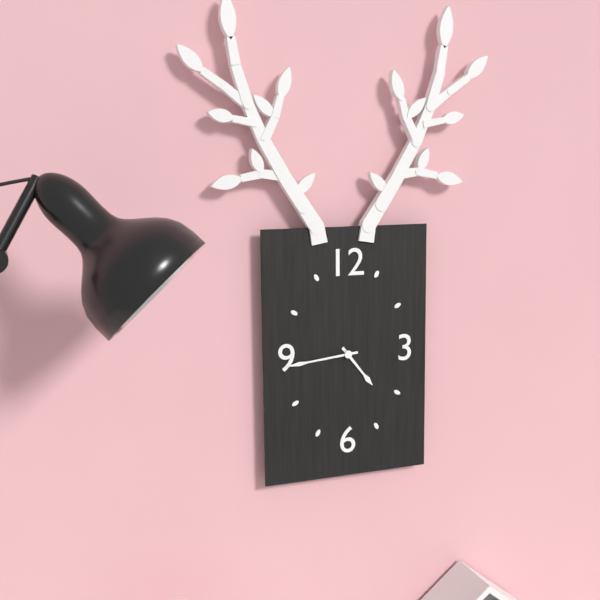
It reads 4.44
